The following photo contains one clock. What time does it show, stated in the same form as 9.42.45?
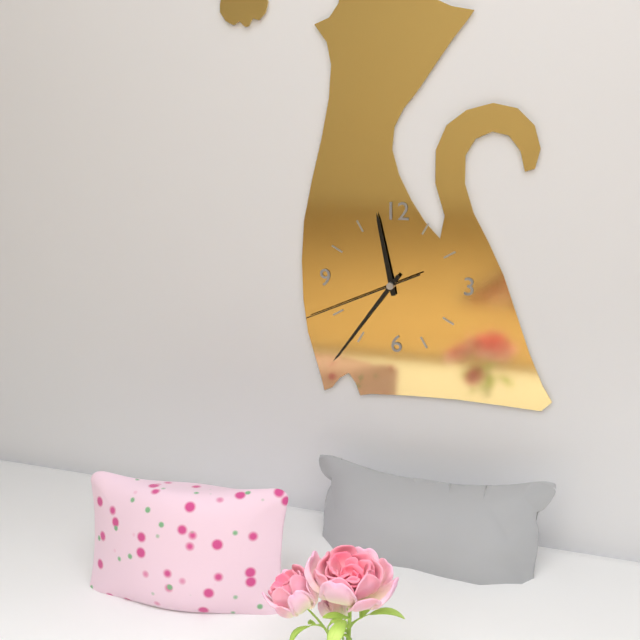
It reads 11.36.41
